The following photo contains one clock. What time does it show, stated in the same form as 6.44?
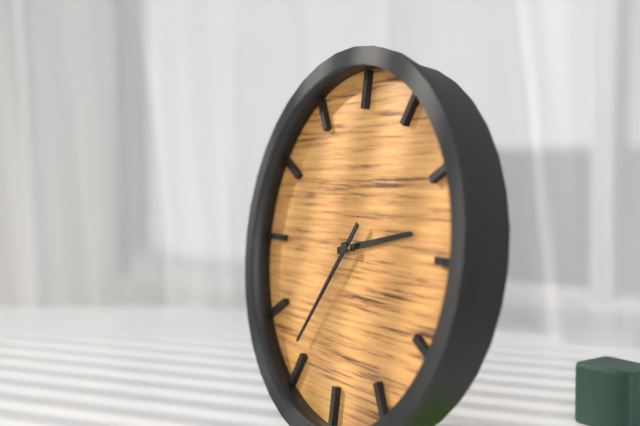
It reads 2.36
